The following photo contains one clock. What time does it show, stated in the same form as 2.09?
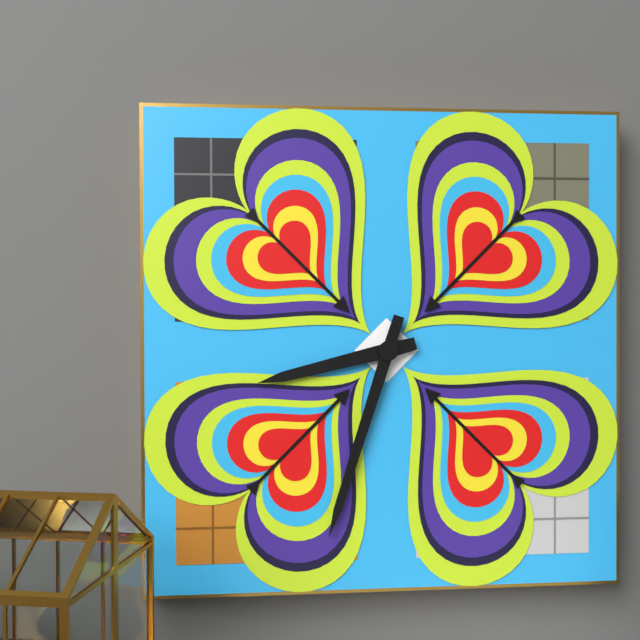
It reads 8.33
